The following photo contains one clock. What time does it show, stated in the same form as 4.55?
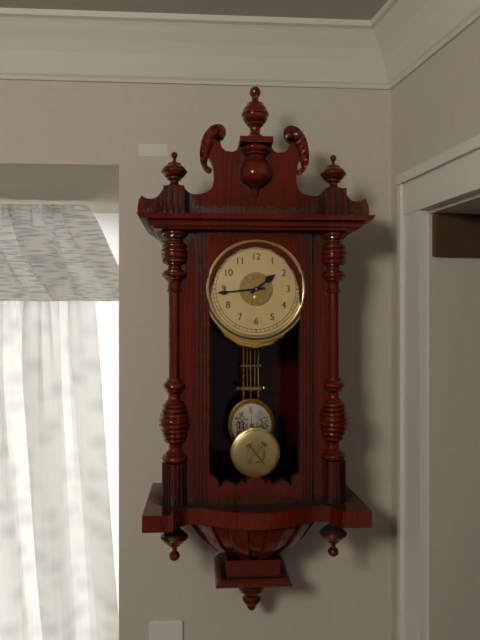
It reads 1.44
